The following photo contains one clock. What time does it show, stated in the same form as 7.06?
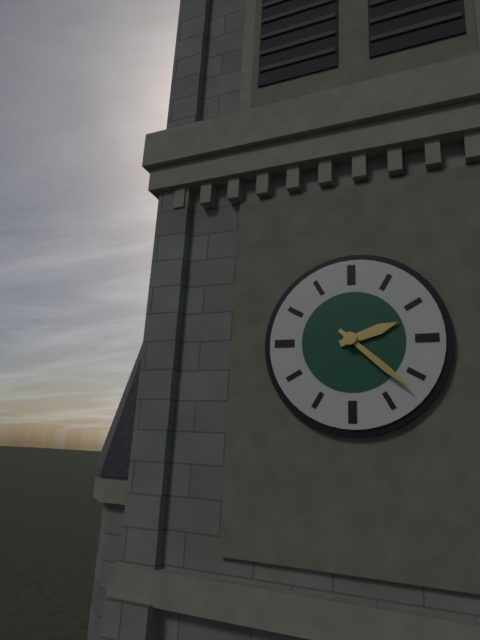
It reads 2.22
